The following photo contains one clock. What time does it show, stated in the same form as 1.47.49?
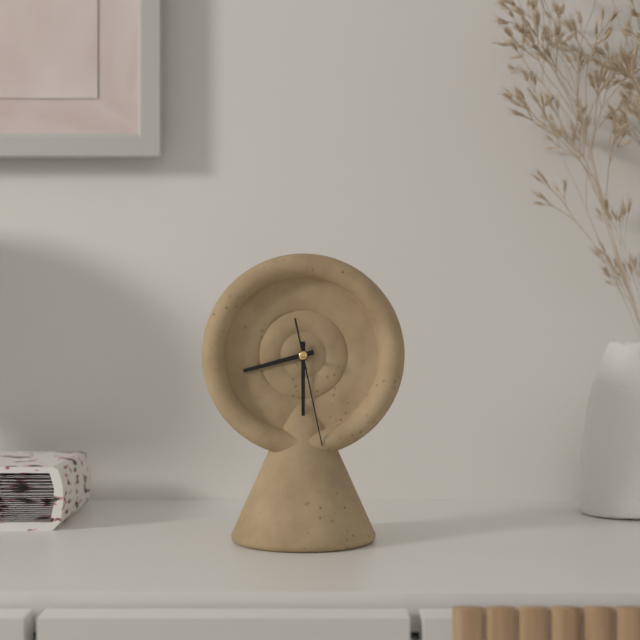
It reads 8.30.28
